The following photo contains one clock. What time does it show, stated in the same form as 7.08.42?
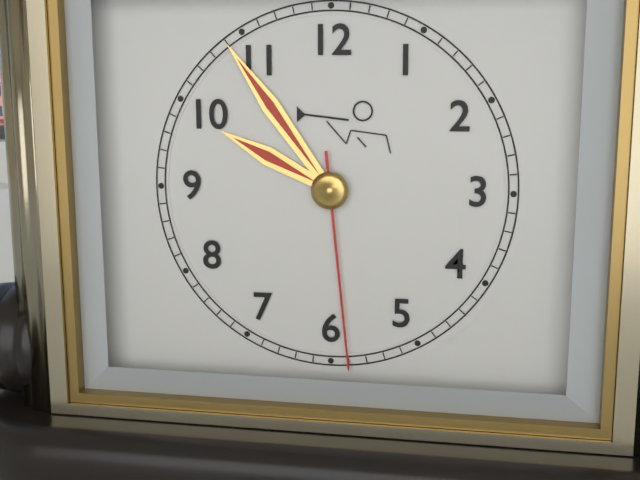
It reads 9.54.29
